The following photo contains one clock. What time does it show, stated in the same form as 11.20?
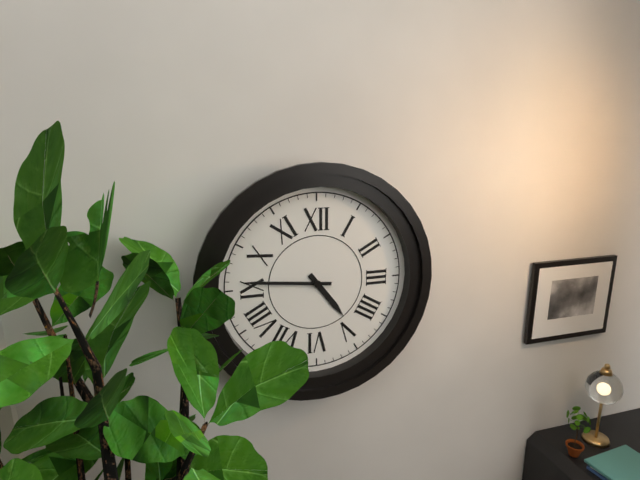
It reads 4.46
